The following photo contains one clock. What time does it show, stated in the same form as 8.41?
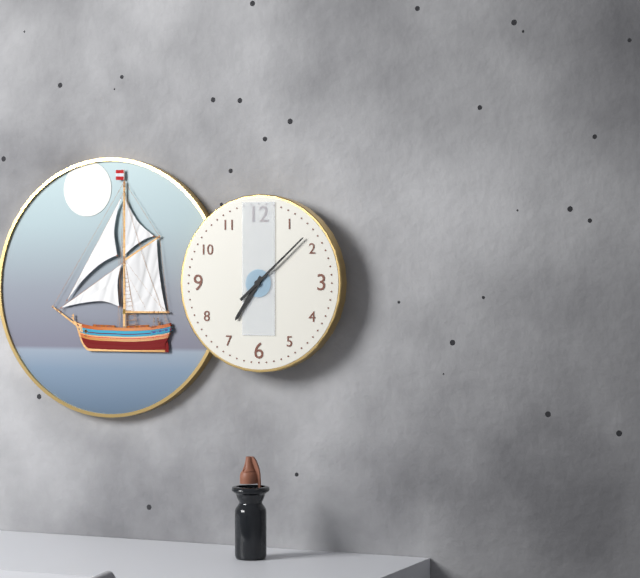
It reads 7.08
